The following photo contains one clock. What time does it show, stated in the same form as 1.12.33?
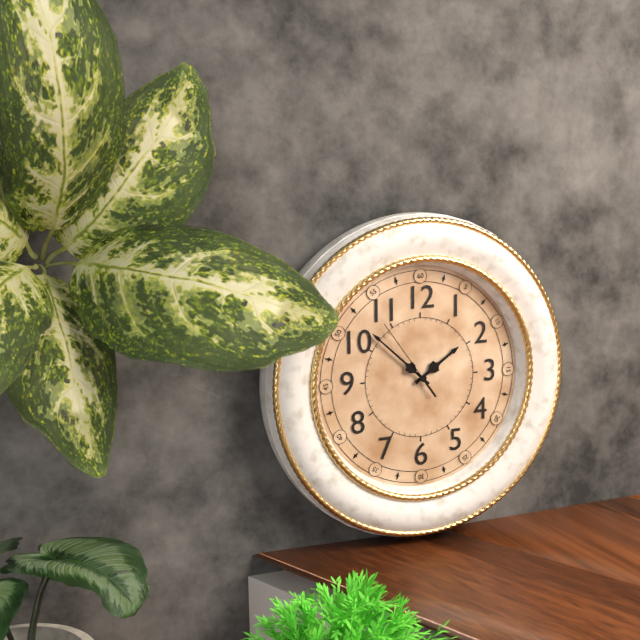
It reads 1.52.54
